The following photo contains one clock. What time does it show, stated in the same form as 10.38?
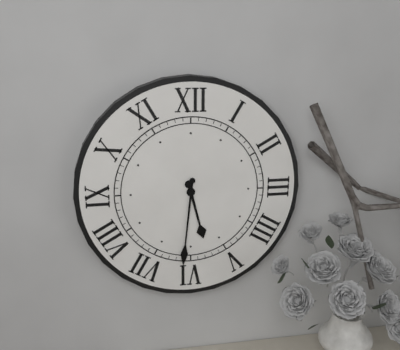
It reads 5.31
